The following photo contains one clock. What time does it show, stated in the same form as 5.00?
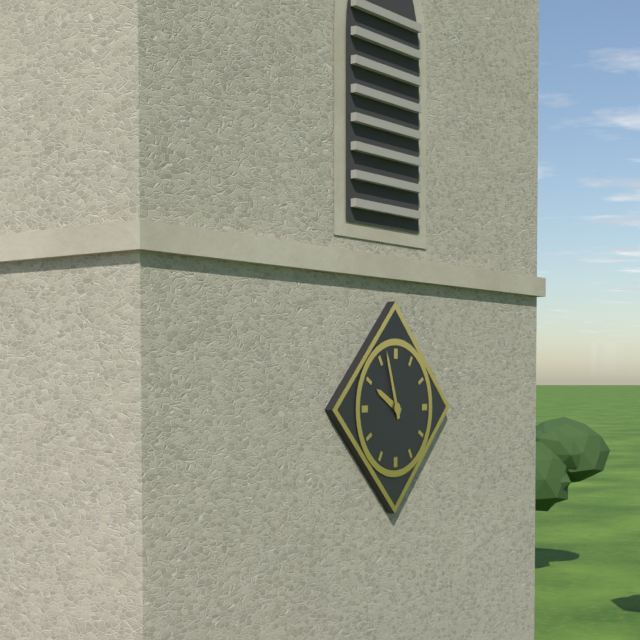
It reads 9.57
